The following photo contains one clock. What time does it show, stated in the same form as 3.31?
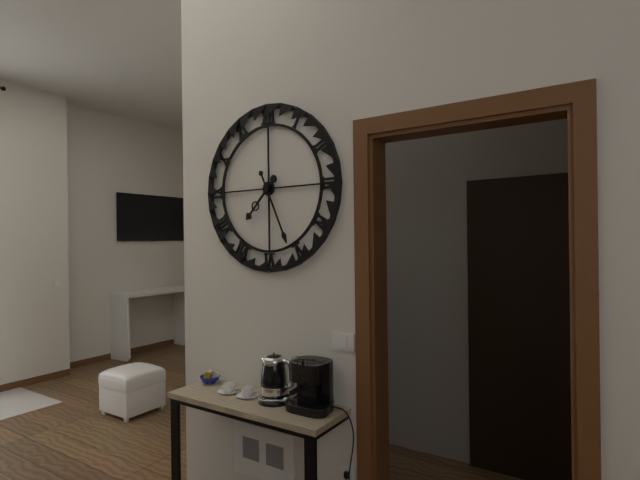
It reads 7.26
